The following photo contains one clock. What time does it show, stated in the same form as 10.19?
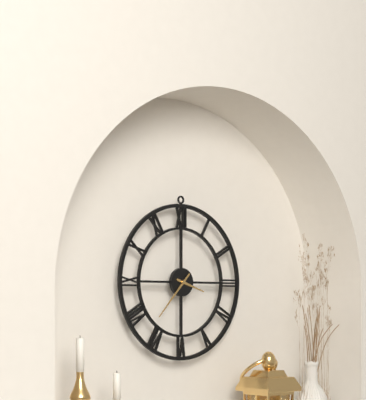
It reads 3.37
